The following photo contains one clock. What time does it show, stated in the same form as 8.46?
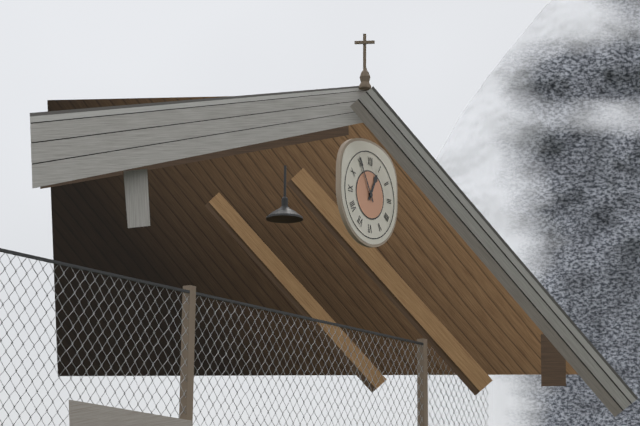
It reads 12.55
